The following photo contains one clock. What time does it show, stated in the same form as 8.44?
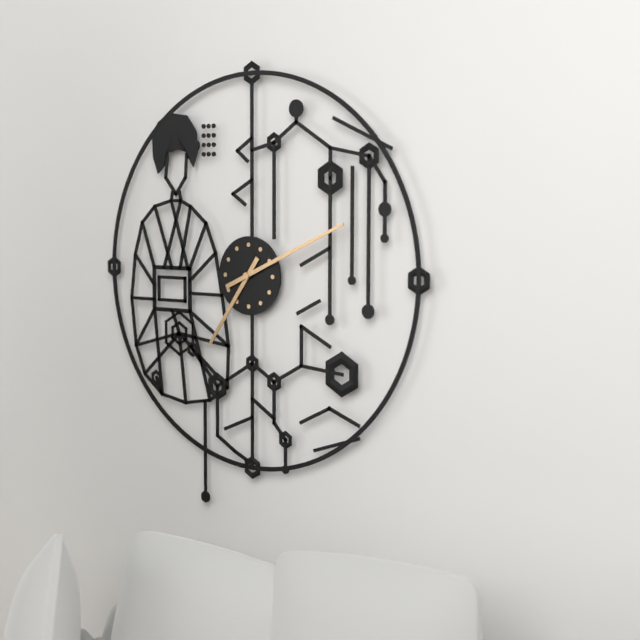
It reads 7.11
